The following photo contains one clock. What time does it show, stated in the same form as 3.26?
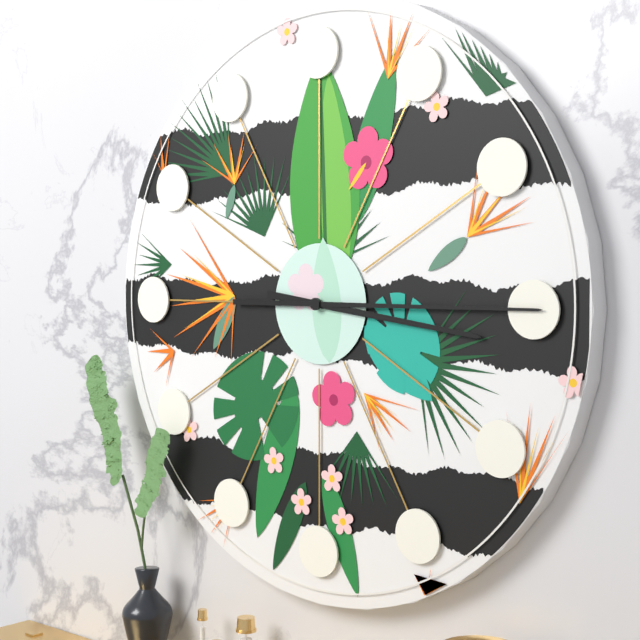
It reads 3.15
